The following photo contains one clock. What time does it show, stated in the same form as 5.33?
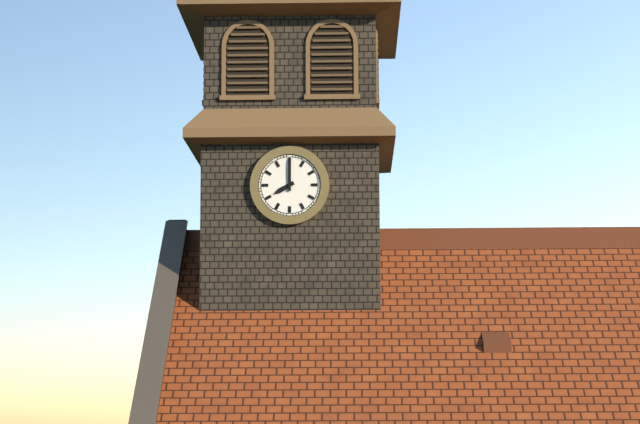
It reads 8.00
